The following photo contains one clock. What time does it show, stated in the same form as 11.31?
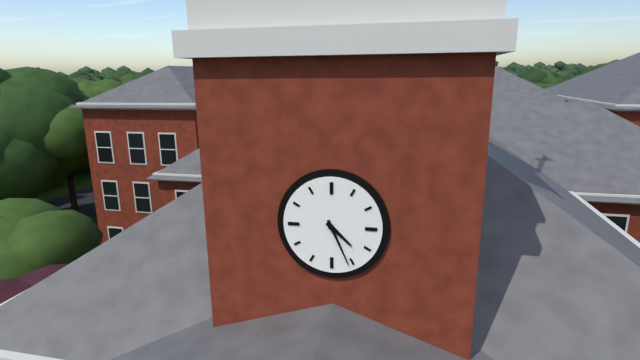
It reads 4.26
